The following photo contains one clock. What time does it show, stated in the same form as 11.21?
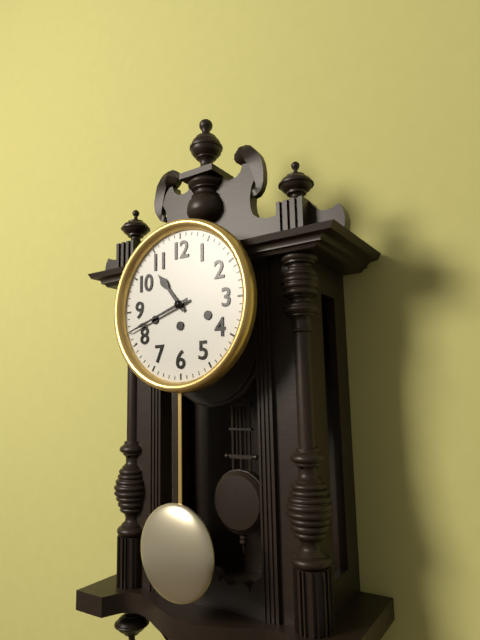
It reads 10.42
